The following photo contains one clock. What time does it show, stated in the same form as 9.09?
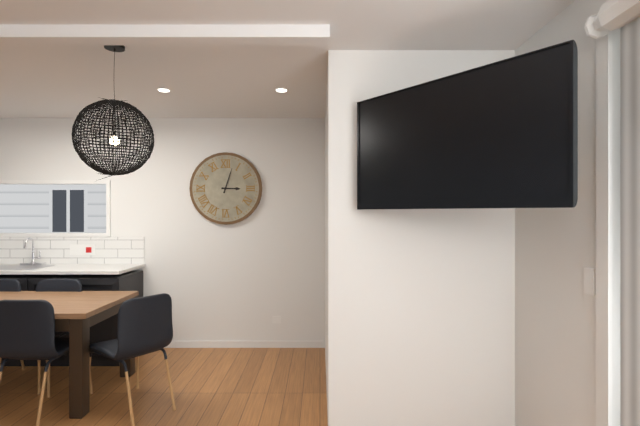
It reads 3.03
